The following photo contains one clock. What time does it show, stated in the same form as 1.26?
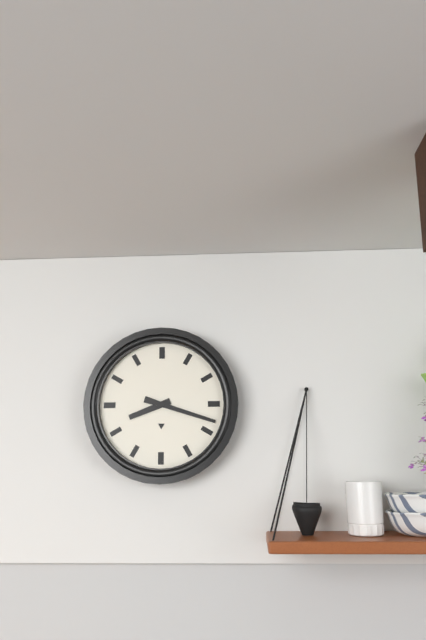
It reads 8.18
